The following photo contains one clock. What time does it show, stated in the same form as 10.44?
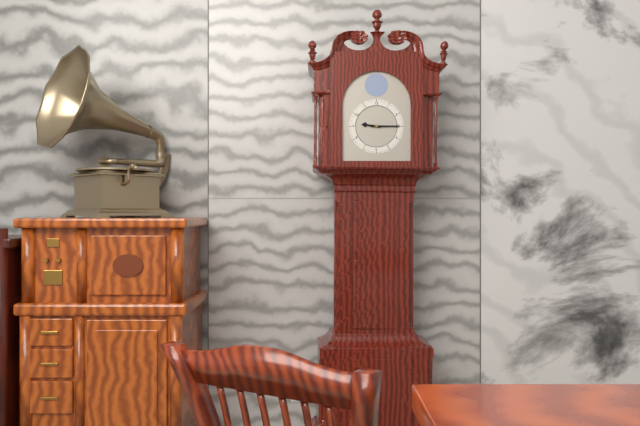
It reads 9.15
